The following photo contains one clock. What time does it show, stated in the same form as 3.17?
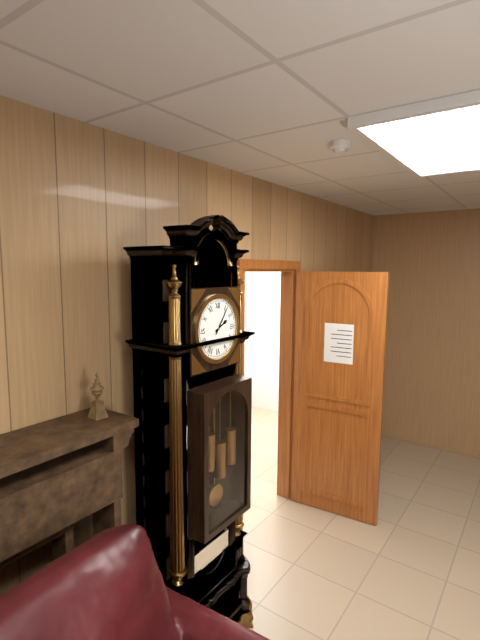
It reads 2.06
